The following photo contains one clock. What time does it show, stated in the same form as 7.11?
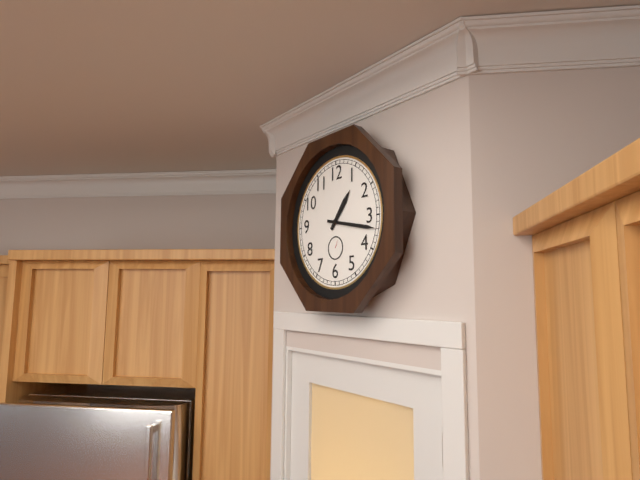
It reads 1.17
